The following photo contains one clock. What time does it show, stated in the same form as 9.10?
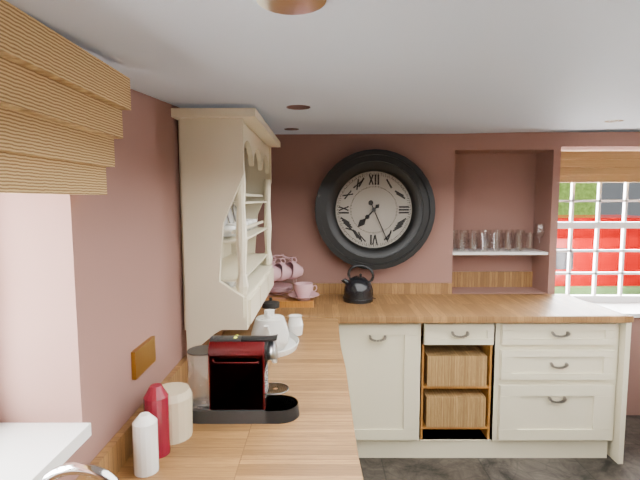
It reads 7.26
